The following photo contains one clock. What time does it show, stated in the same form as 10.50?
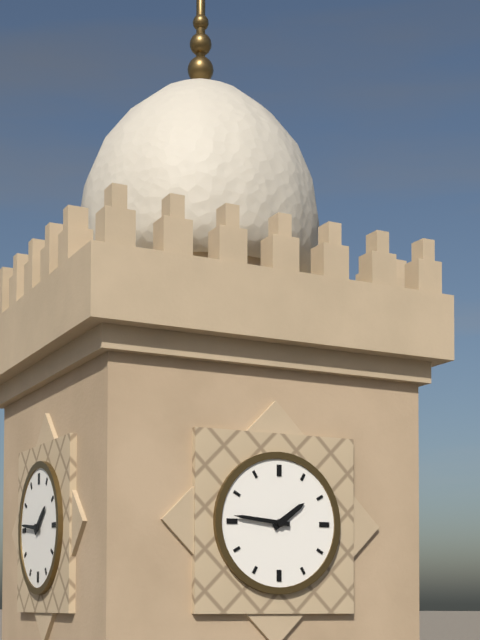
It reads 1.46
